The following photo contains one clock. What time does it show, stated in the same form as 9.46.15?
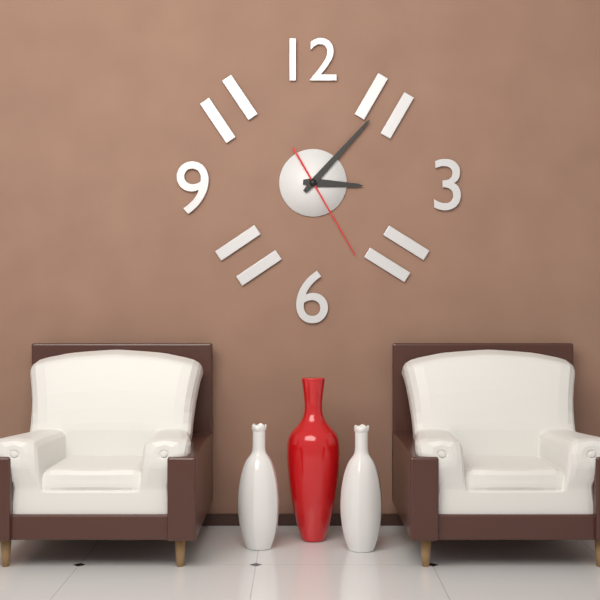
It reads 3.07.25
